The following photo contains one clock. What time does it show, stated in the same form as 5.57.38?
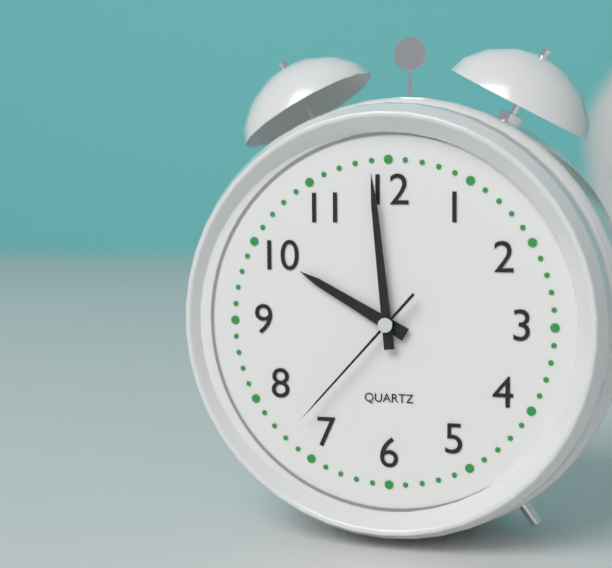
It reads 9.59.37
